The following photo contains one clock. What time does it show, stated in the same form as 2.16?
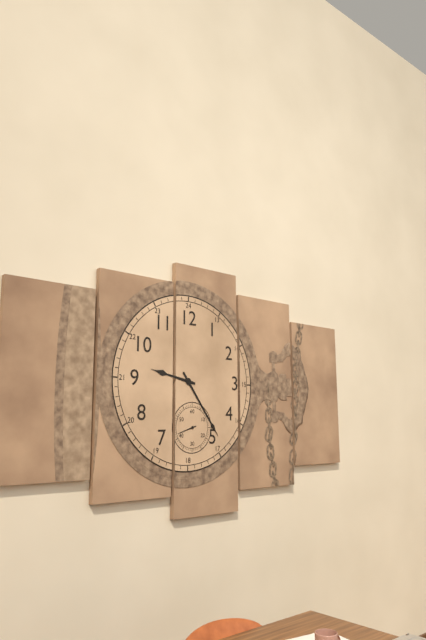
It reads 9.24
